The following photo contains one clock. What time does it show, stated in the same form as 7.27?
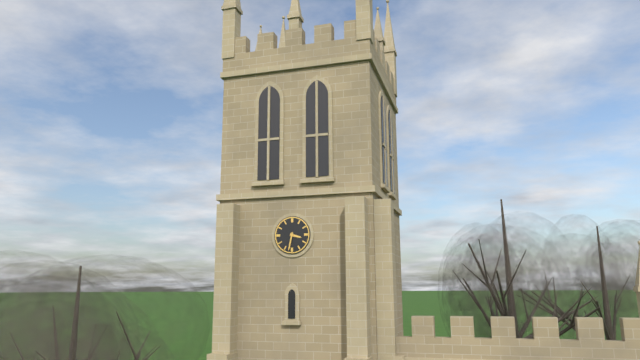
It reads 3.32
